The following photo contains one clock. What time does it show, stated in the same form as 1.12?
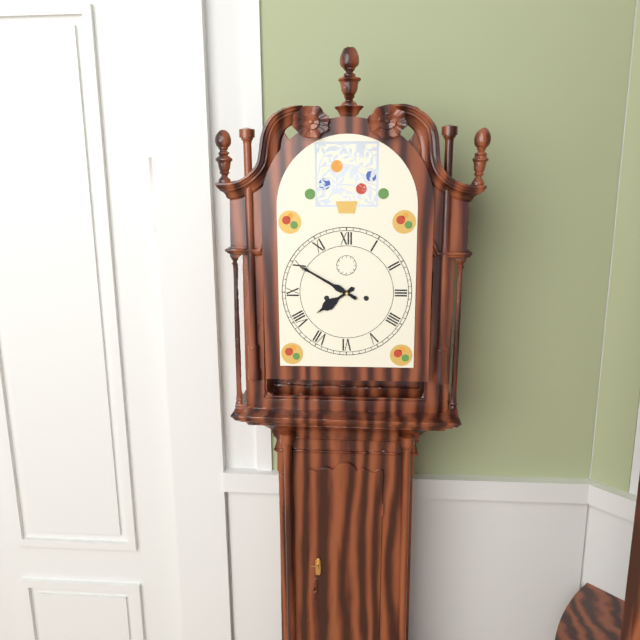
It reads 7.50
